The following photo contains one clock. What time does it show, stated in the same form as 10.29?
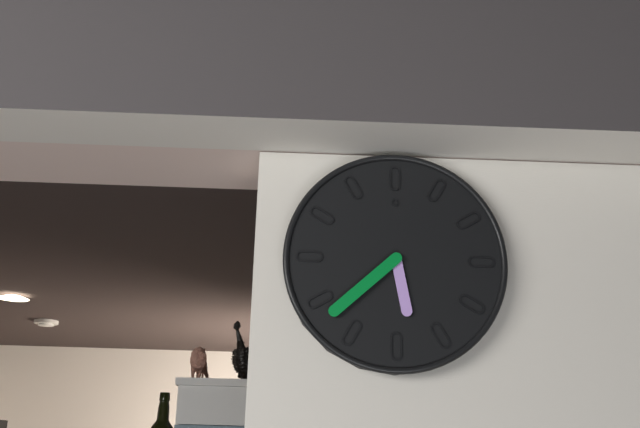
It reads 5.38
